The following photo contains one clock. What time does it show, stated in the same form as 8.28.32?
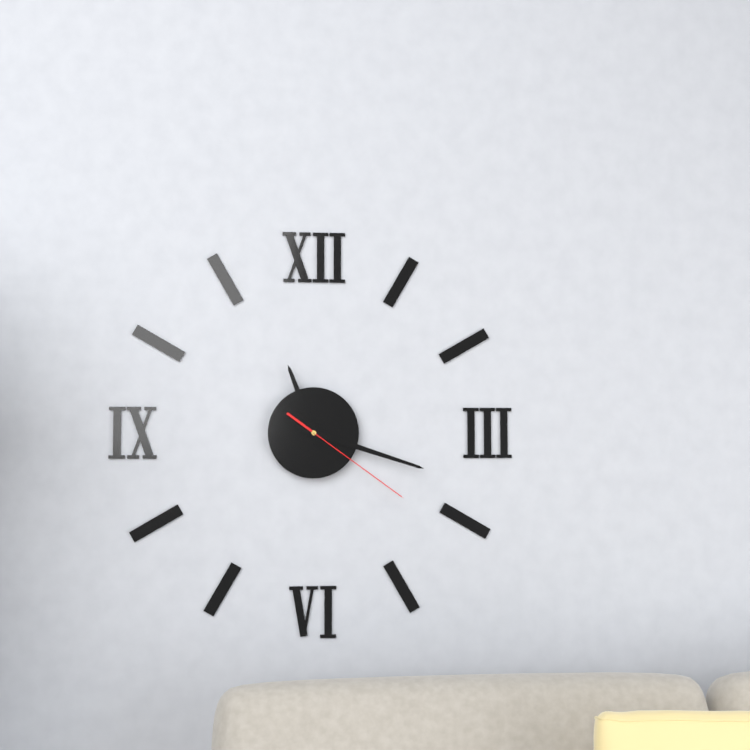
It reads 11.18.21
